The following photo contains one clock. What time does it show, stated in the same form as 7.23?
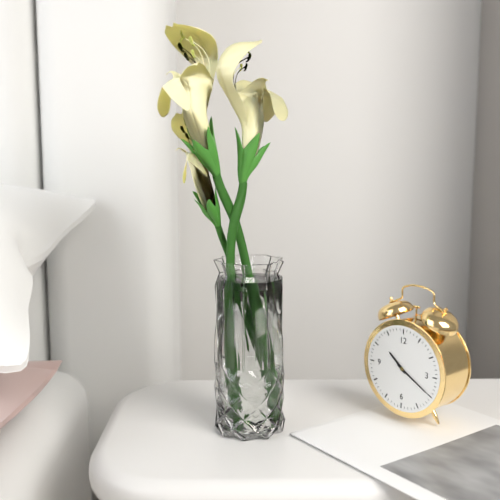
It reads 10.20
